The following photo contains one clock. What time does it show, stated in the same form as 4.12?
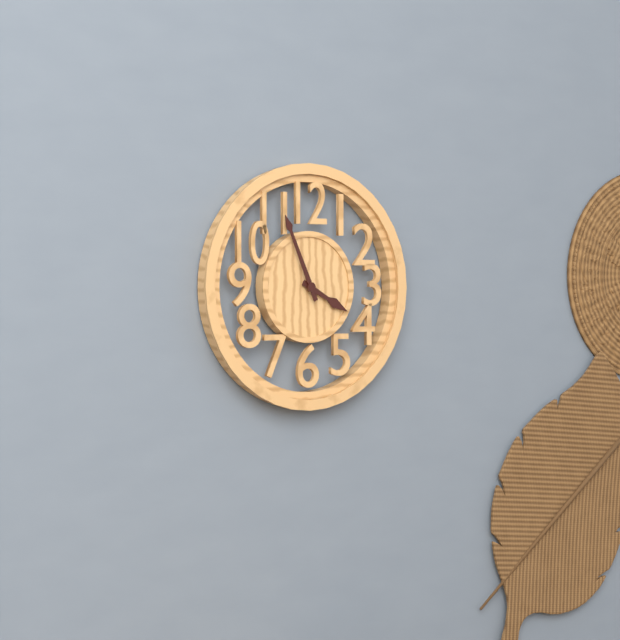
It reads 3.56
